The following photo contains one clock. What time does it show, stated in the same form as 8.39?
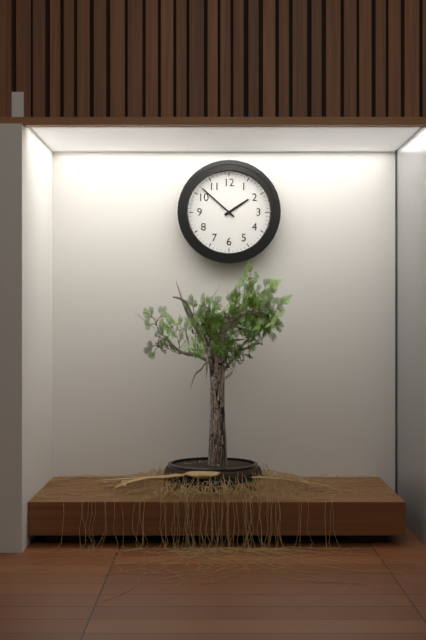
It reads 1.52
